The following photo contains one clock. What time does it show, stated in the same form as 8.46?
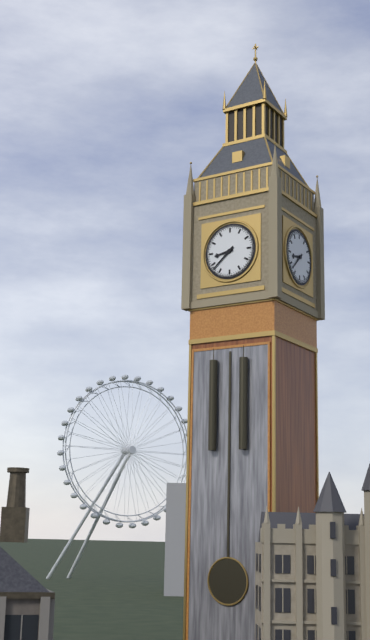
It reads 8.38
